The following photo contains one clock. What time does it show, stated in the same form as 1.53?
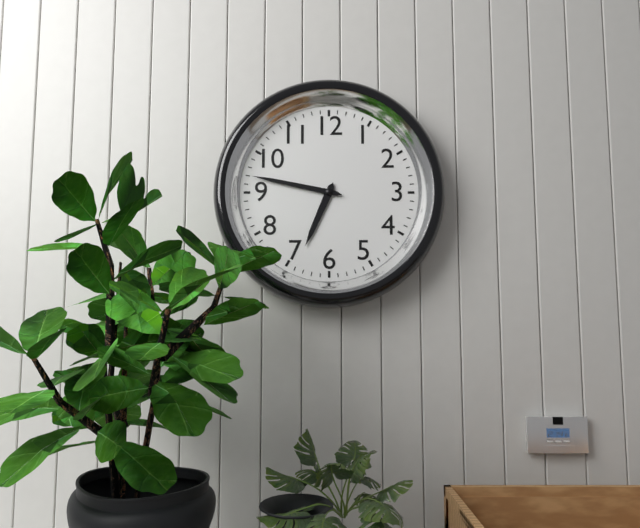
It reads 6.47
